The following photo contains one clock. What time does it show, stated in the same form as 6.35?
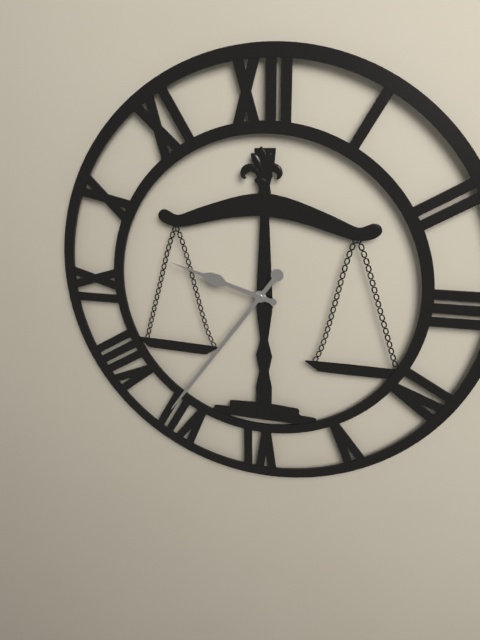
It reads 9.36
